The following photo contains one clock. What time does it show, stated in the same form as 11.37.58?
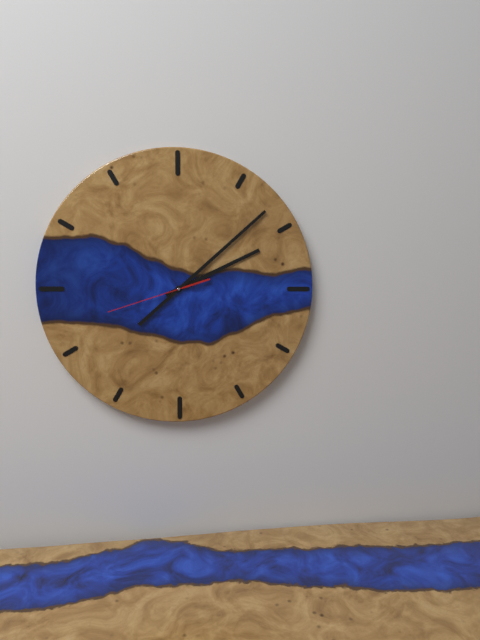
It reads 2.08.42
